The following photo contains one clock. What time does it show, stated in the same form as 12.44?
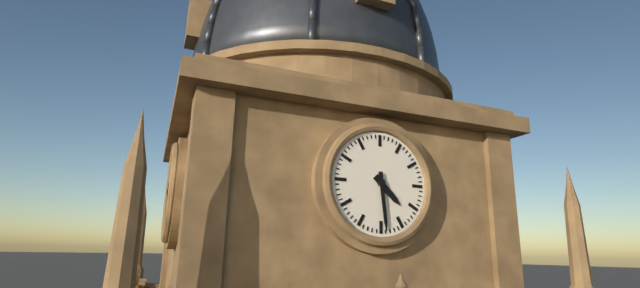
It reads 4.29
